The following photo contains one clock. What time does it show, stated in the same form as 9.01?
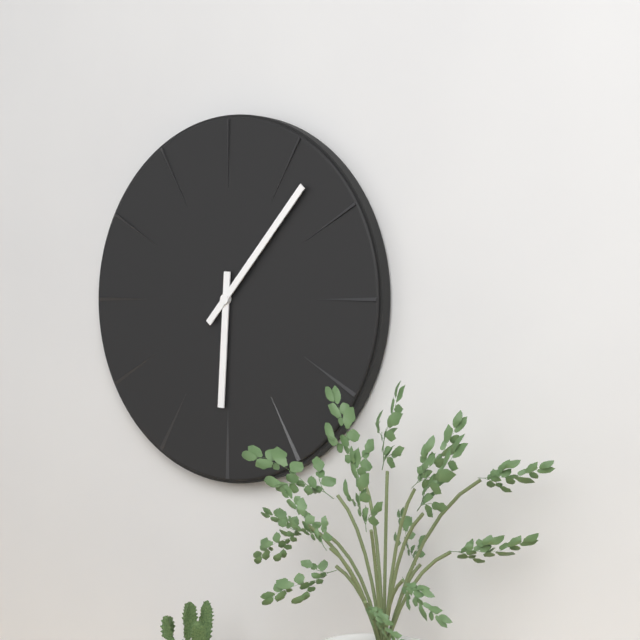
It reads 6.07
